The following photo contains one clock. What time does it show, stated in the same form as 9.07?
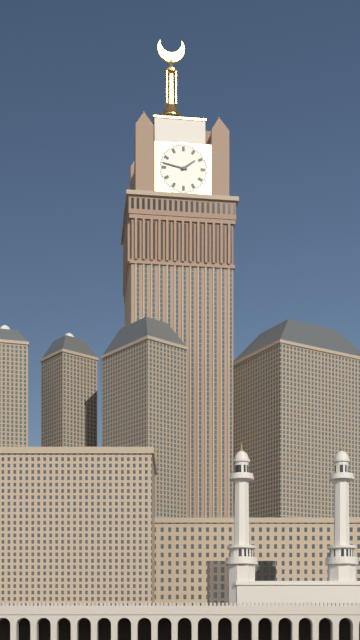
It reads 1.47
